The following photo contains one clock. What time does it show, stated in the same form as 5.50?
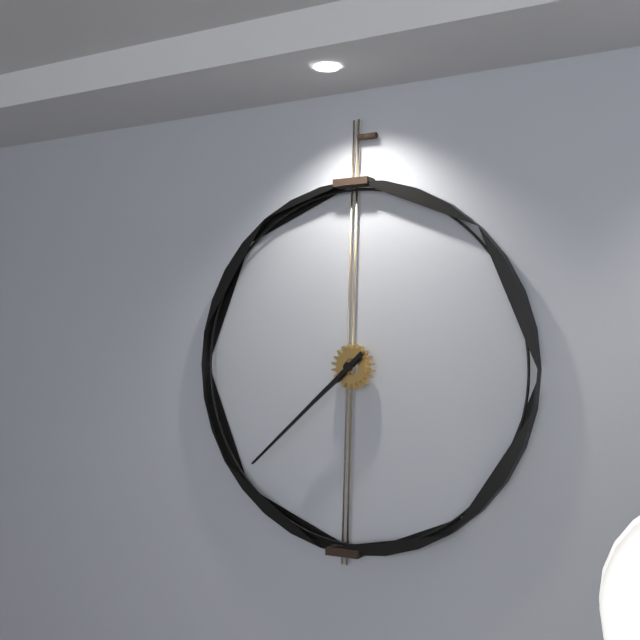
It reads 7.38
